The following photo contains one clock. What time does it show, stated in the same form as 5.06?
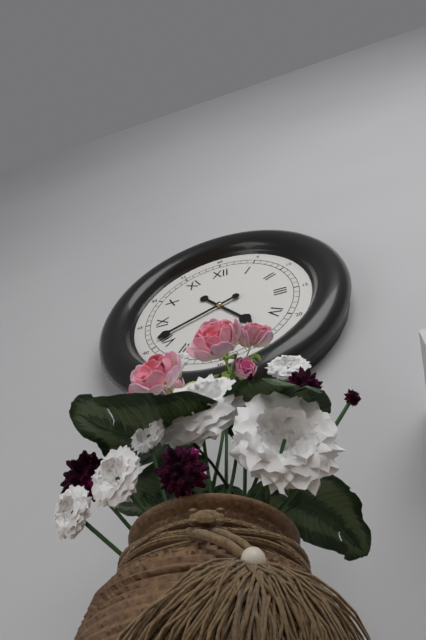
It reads 4.41
